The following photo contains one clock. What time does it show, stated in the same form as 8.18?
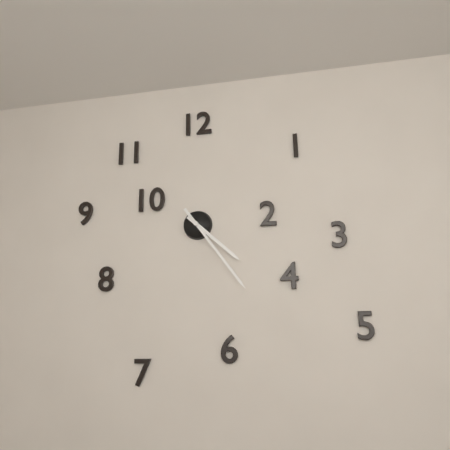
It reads 4.24
